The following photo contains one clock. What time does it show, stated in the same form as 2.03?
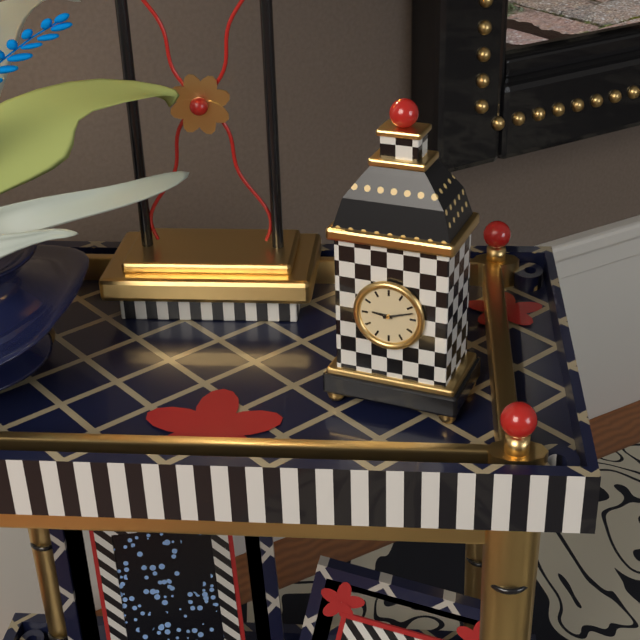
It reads 9.12
